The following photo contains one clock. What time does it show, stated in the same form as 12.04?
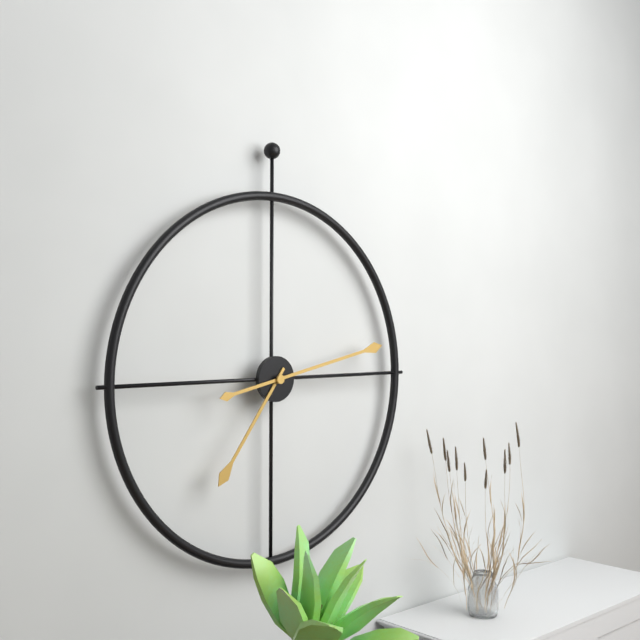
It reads 7.13
